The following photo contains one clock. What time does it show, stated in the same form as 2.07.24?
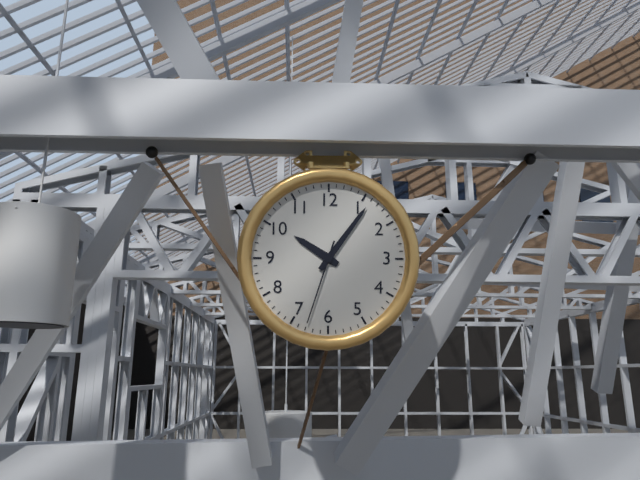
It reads 10.06.33
